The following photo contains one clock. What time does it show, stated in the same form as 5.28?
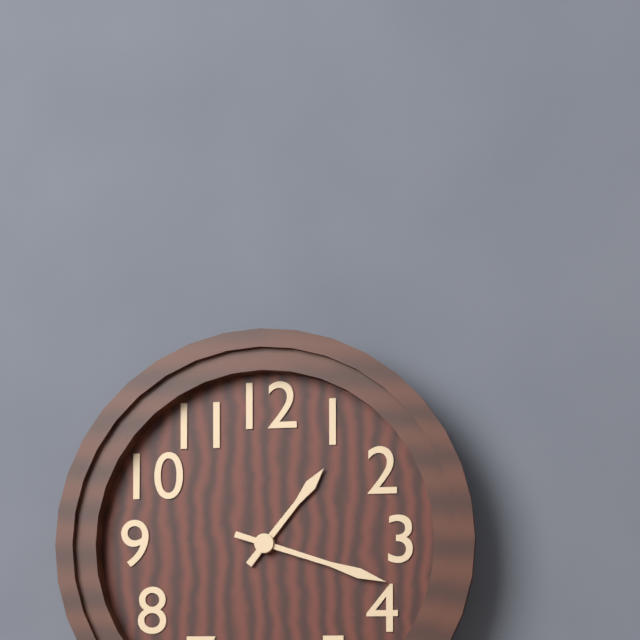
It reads 1.18
